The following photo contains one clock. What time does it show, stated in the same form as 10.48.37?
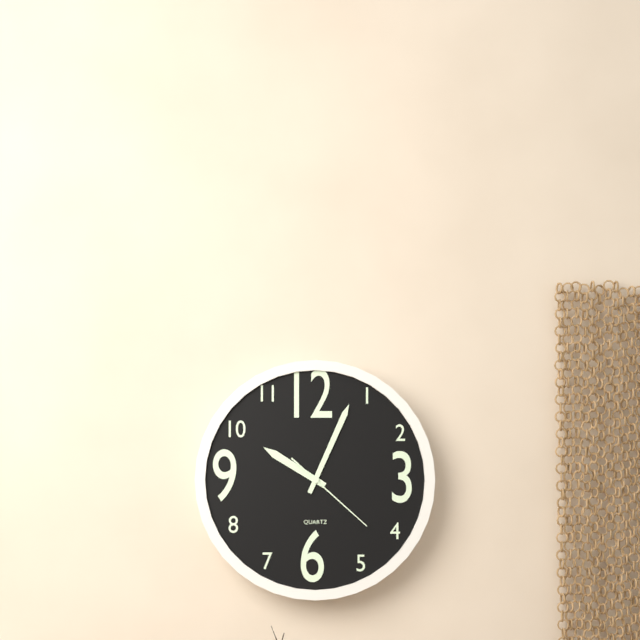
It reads 10.04.22
